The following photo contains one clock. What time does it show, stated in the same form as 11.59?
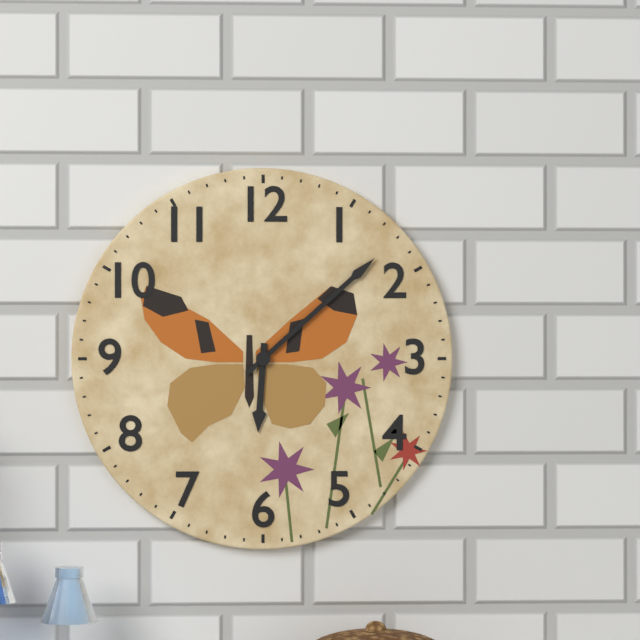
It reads 6.08
